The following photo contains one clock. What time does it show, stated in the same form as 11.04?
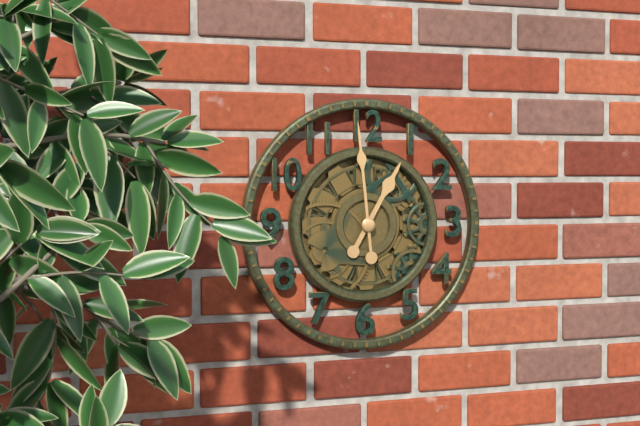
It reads 12.59
